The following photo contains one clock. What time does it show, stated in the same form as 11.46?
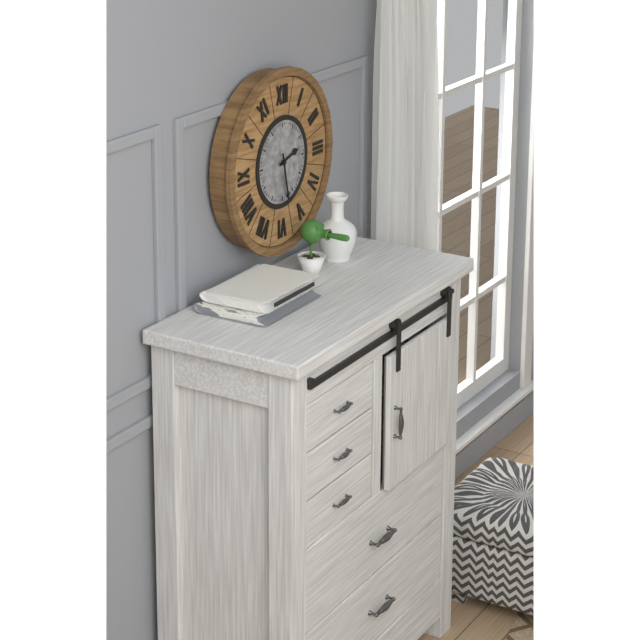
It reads 2.28
